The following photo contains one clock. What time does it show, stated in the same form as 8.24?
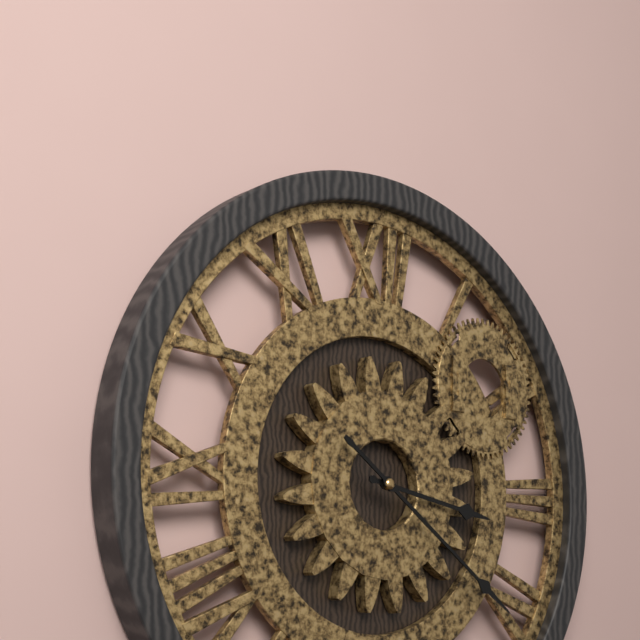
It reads 3.21
